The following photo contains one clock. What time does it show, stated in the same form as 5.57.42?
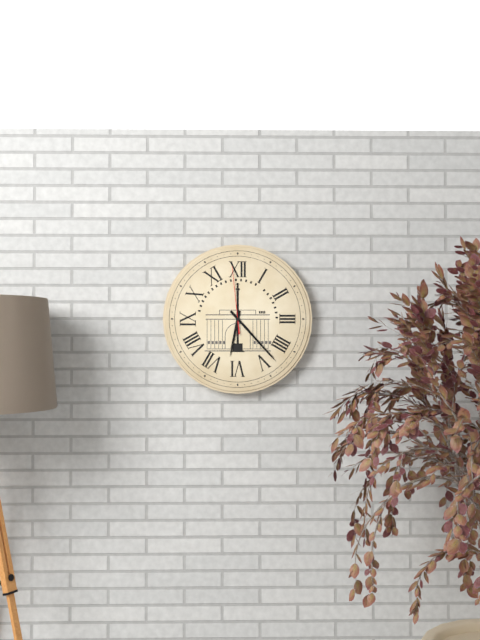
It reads 6.23.59
